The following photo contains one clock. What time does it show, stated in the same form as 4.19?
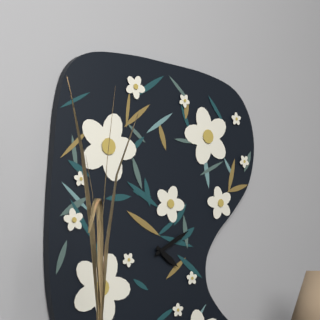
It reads 4.10
